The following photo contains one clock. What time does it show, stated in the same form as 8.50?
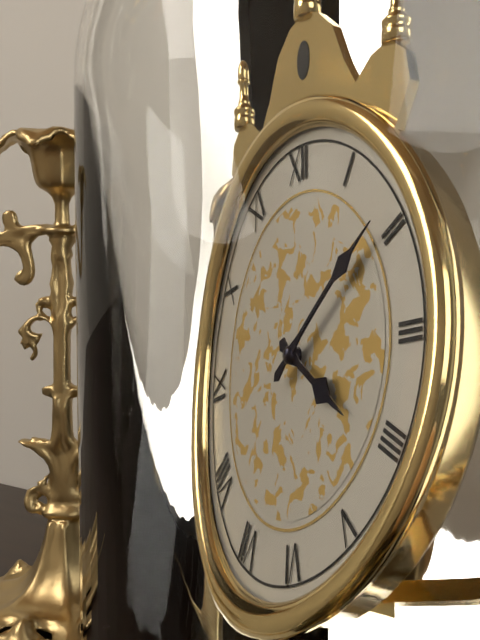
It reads 4.09
